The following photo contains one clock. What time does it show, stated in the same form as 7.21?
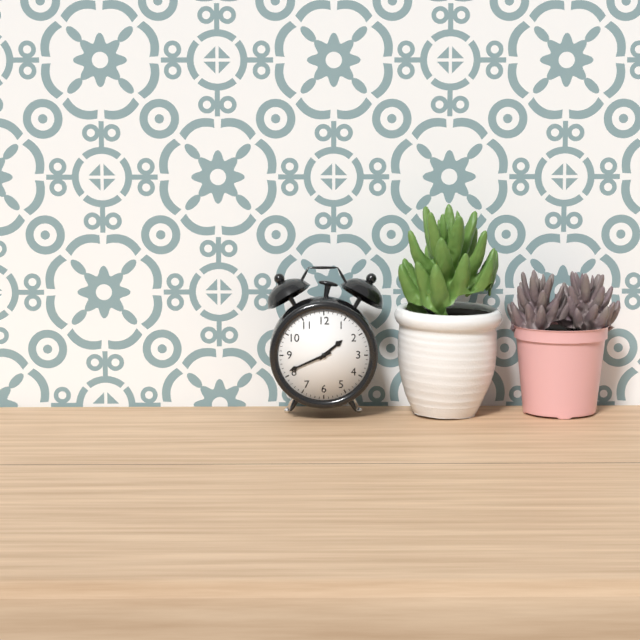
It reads 1.41
